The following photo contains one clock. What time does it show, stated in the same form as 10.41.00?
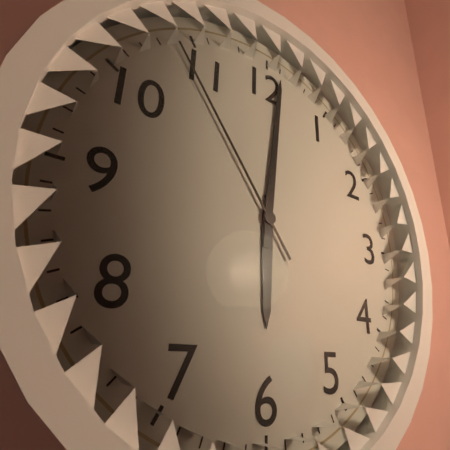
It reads 6.01.54
